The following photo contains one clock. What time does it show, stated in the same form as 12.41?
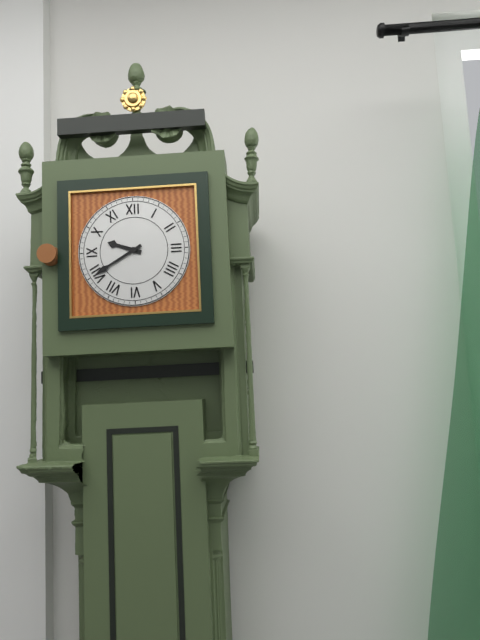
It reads 9.40
